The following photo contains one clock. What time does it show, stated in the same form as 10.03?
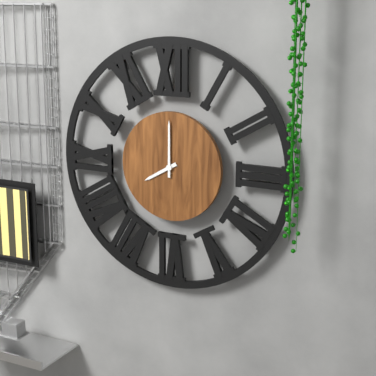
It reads 8.00
